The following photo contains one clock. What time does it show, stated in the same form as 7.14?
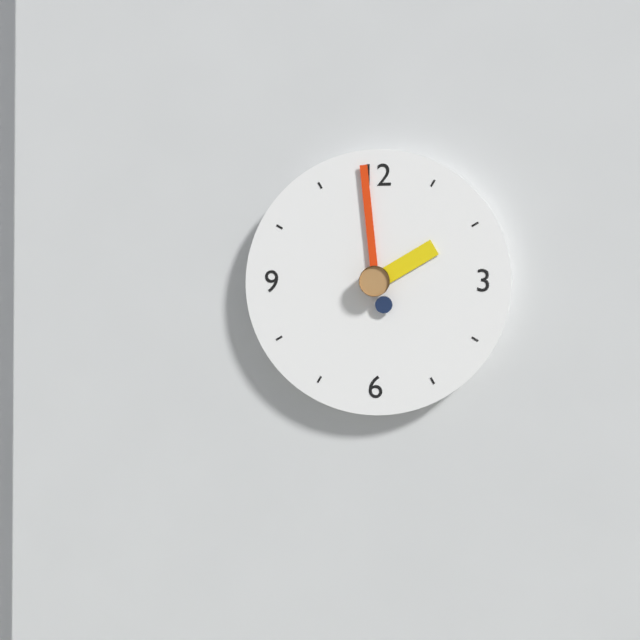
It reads 1.59
